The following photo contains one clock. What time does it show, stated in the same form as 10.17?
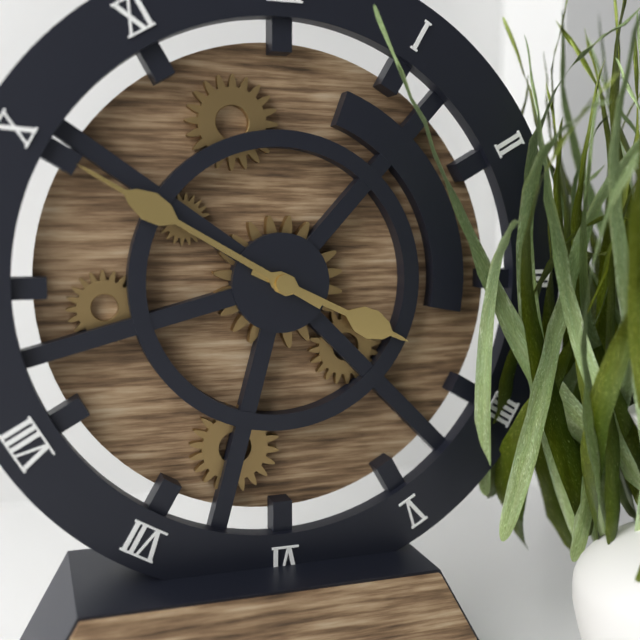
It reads 3.50
